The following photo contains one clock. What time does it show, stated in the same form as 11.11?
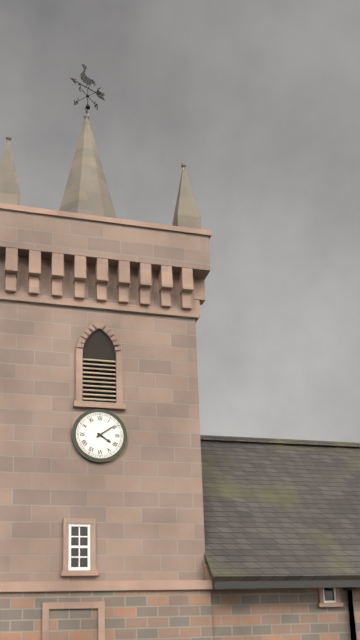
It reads 4.09
